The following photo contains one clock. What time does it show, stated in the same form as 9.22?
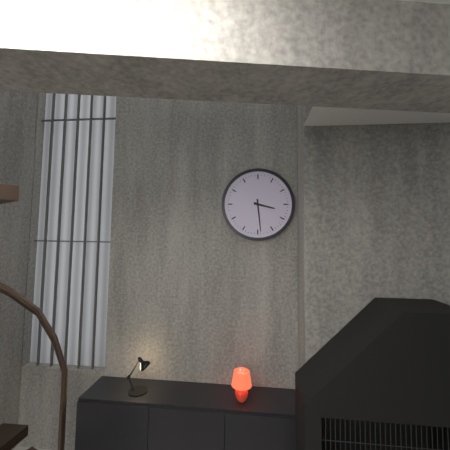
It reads 3.29
